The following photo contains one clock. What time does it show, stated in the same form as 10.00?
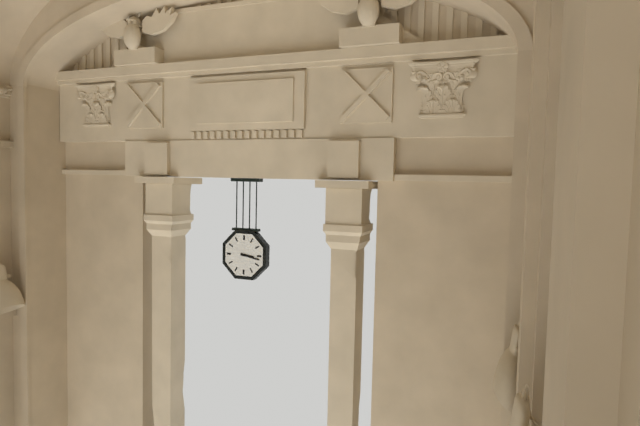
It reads 3.17
